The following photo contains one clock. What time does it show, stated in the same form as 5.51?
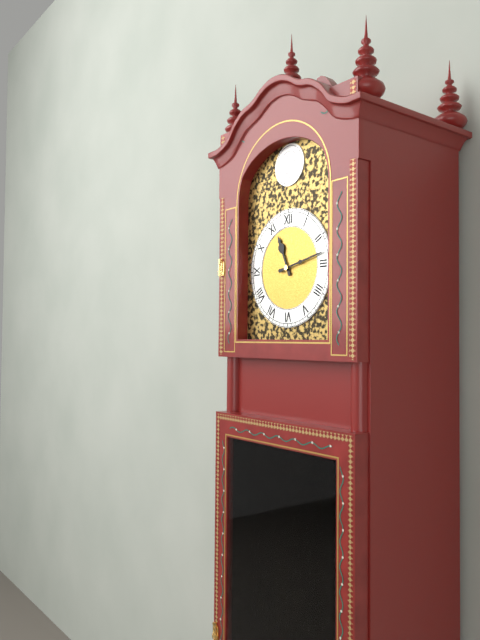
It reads 11.13
